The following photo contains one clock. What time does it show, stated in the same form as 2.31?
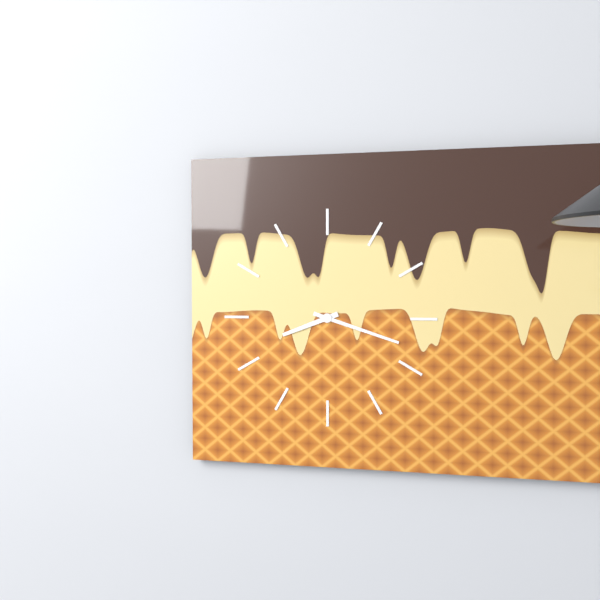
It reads 8.18
